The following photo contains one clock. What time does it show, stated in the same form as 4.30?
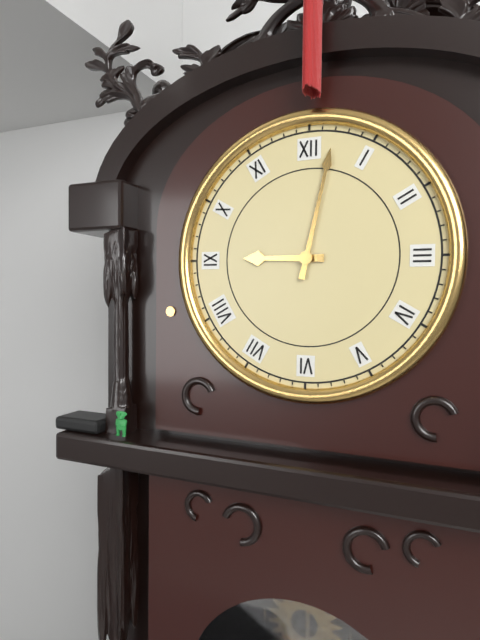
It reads 9.02
